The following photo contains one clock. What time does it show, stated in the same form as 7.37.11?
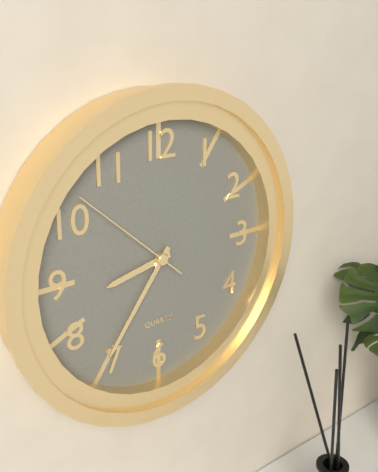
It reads 8.36.52
